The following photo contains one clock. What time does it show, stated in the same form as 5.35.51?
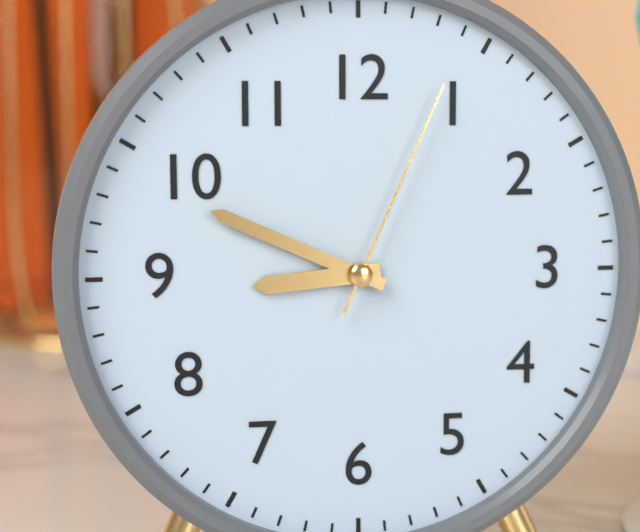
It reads 8.49.04
